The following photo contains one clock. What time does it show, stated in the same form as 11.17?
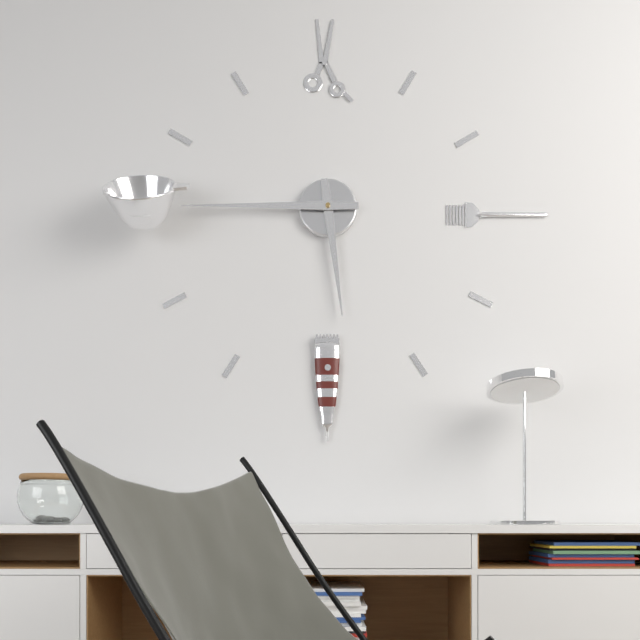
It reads 5.45
